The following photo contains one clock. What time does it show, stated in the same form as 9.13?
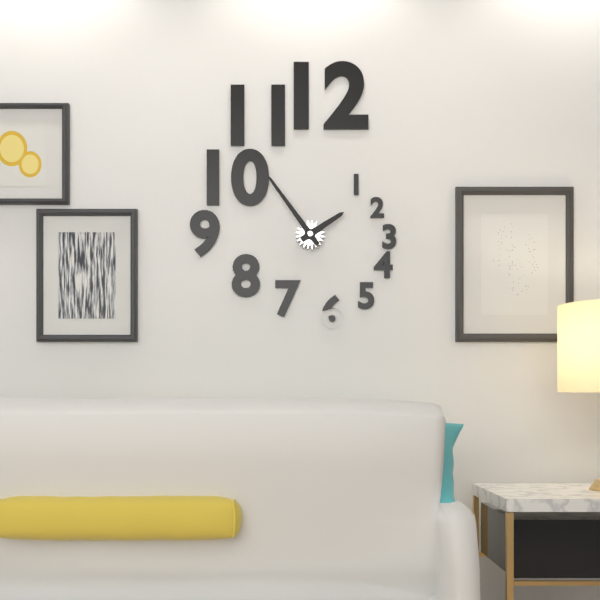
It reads 1.54
